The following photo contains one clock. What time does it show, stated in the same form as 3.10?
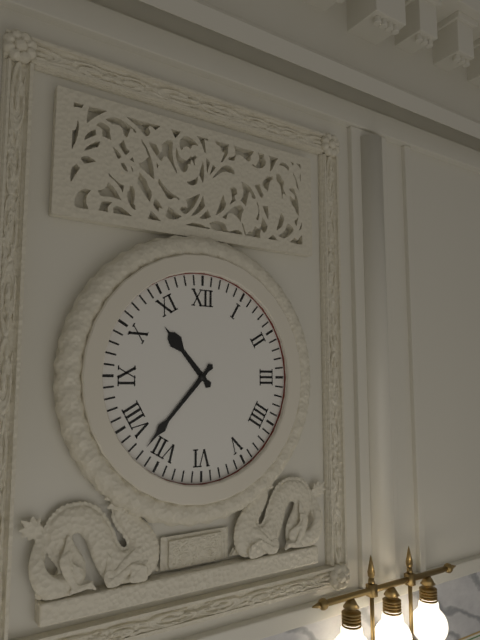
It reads 10.37
